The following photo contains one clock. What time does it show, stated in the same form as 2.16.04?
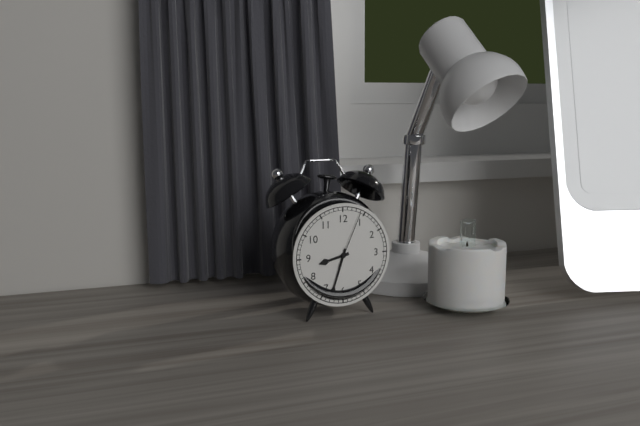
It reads 8.33.04
